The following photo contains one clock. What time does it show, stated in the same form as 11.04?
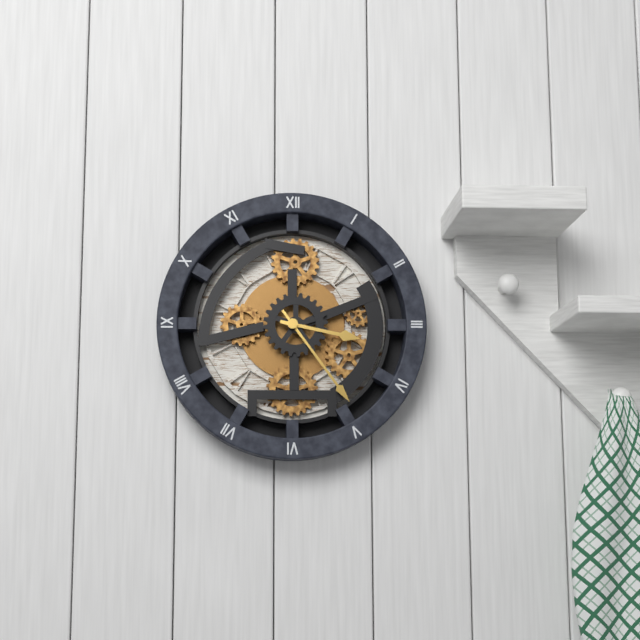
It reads 3.24
